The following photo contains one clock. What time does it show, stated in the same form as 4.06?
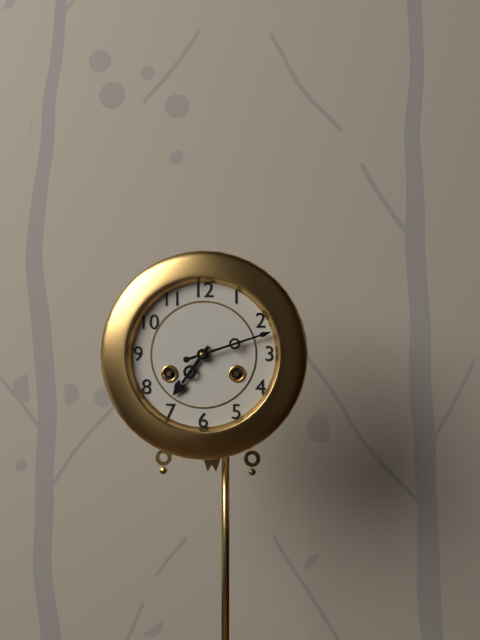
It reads 7.12
